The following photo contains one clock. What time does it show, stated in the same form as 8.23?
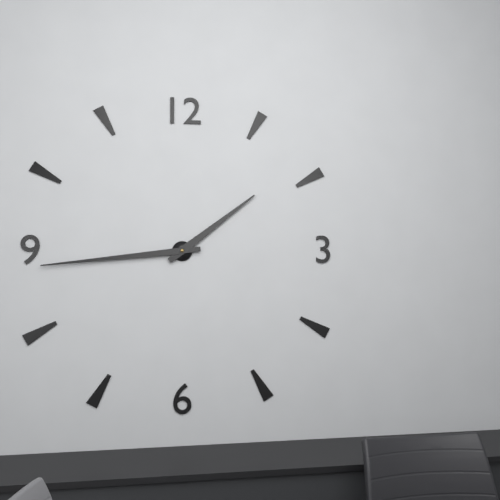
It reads 1.44
